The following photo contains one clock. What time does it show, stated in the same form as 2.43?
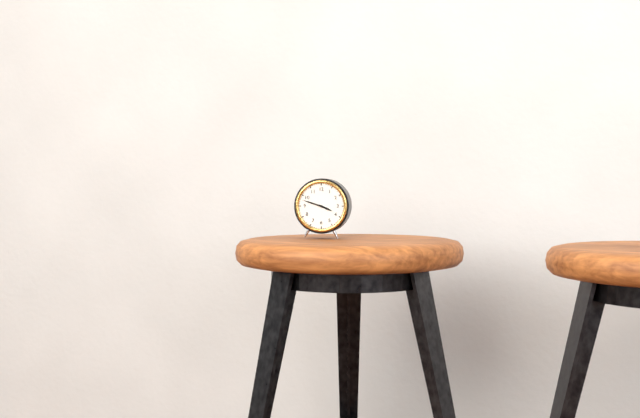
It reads 3.48
